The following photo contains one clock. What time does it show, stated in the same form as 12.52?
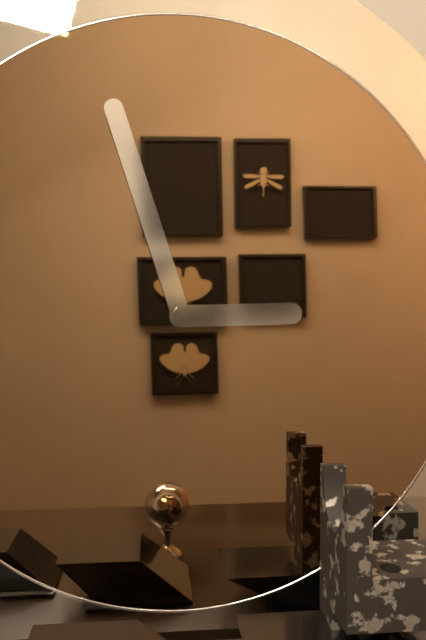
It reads 2.57
